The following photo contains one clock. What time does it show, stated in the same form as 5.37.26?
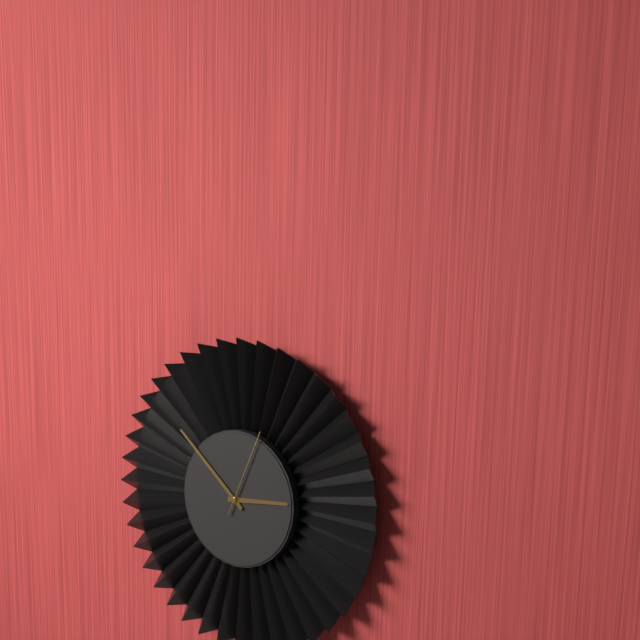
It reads 2.52.04
